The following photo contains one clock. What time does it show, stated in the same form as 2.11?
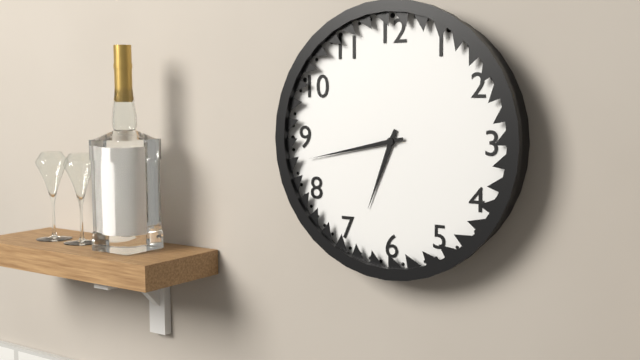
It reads 6.43
